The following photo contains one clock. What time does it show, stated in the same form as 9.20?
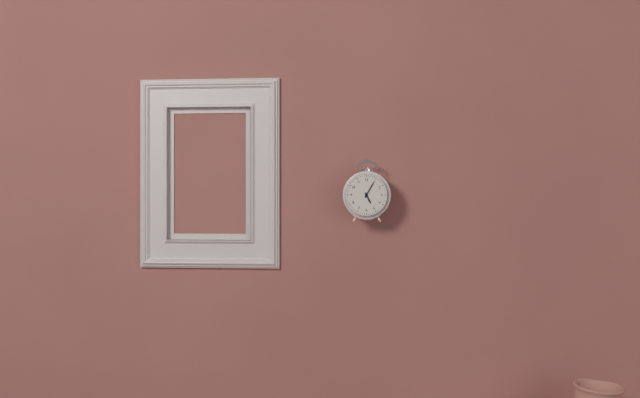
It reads 5.05
